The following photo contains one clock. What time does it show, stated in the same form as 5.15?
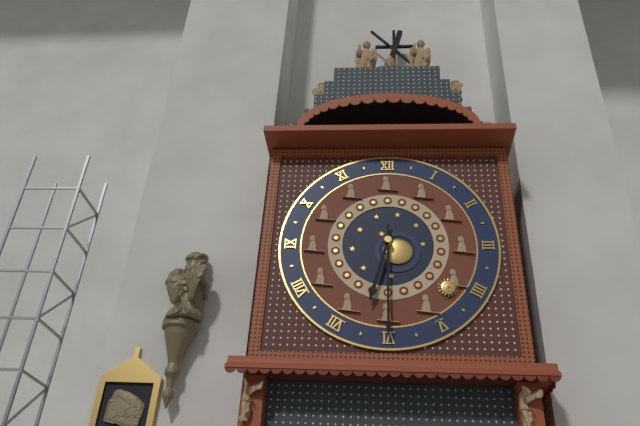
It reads 6.30
